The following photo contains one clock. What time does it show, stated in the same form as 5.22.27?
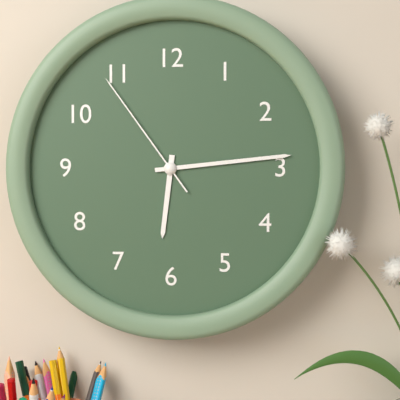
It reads 6.14.54
